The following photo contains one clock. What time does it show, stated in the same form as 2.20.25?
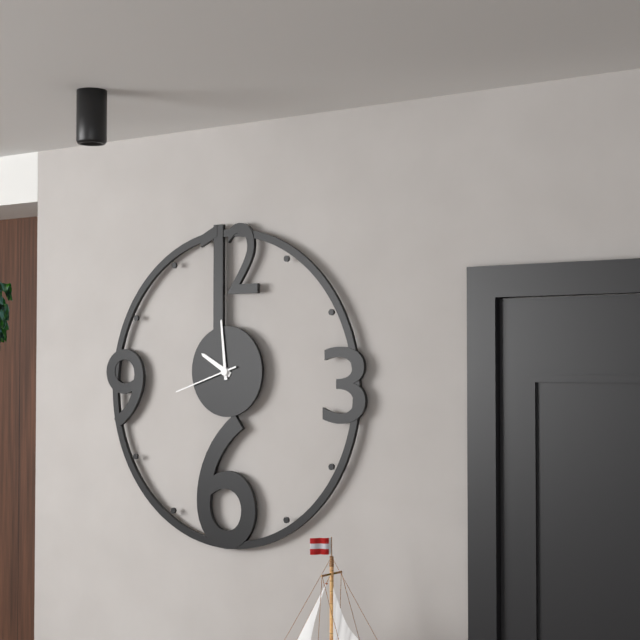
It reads 9.59.42
